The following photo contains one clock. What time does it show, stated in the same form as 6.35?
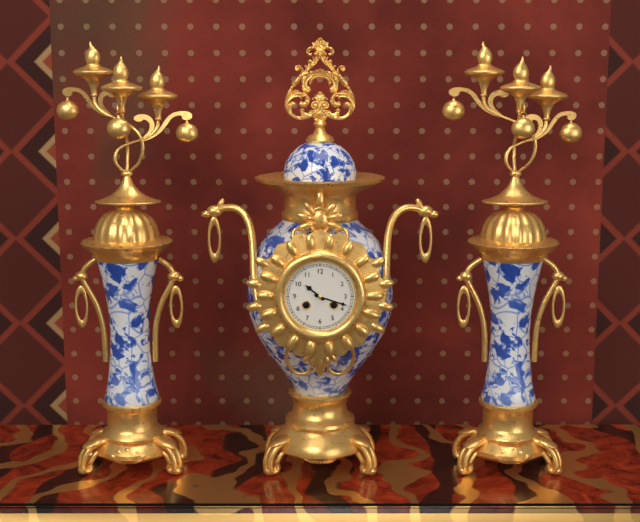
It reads 10.18
